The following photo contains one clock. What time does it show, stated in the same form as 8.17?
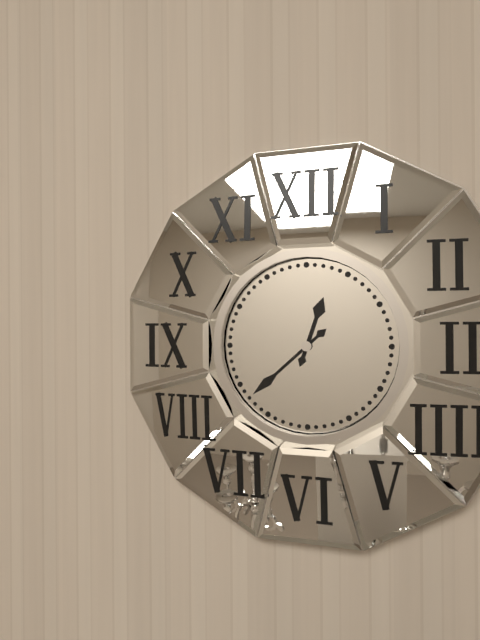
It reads 12.38
